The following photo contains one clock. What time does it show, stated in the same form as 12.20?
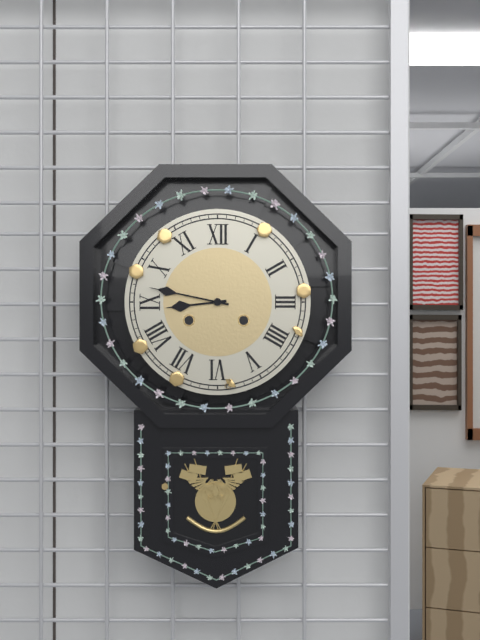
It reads 8.47
